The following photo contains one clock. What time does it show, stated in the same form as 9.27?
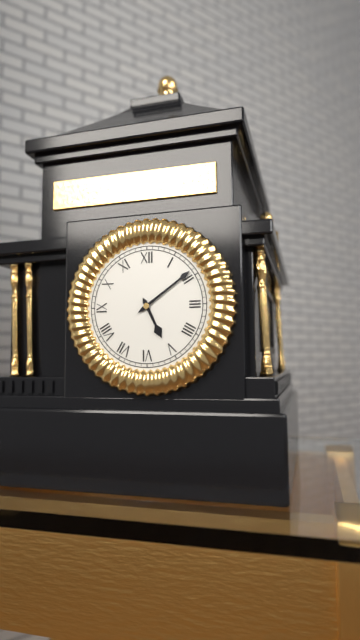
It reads 5.09
